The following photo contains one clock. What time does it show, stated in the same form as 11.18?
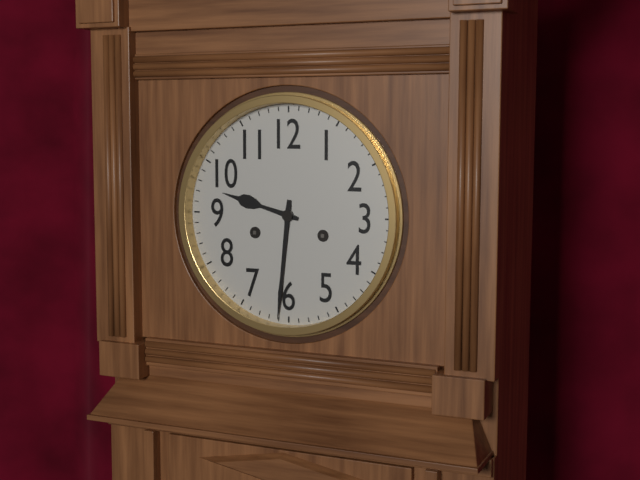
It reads 9.31
